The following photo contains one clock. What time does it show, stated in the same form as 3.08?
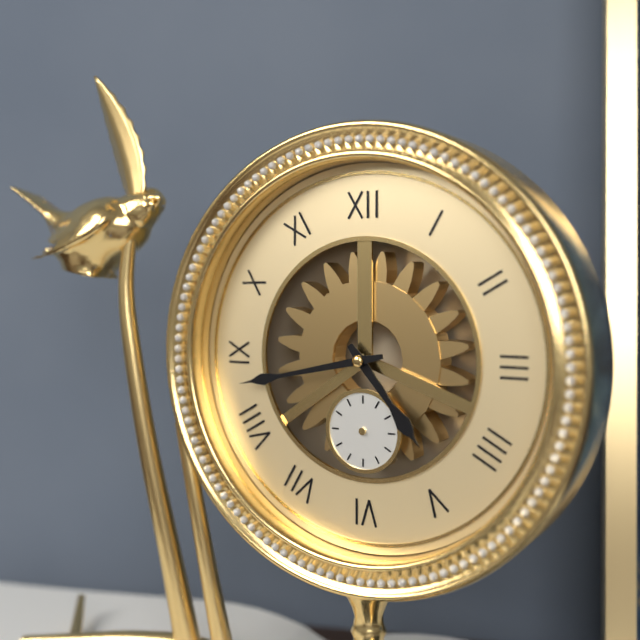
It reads 4.43
